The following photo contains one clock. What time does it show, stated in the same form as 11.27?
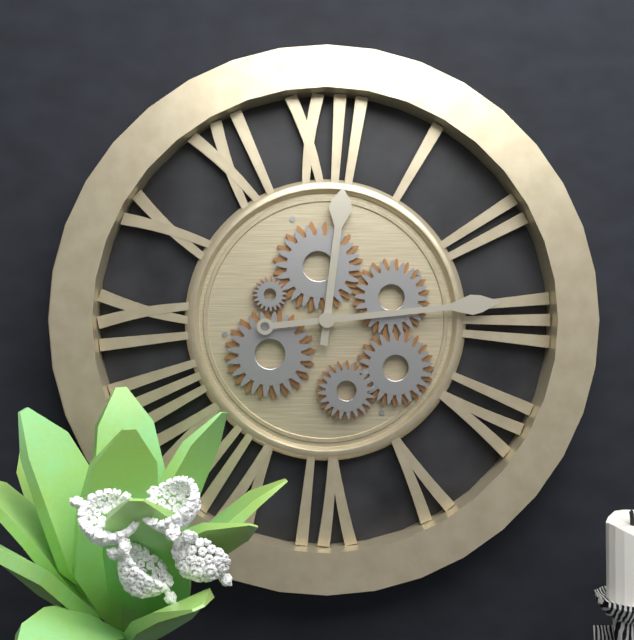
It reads 12.14
